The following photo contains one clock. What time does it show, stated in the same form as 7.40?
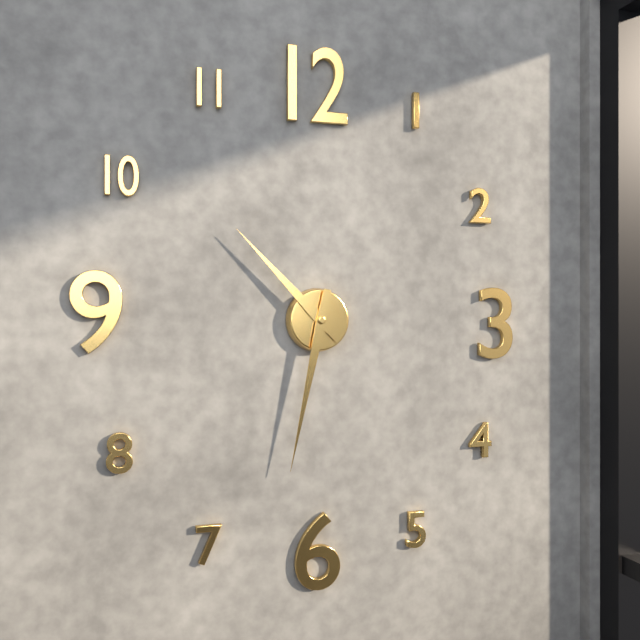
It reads 10.32
